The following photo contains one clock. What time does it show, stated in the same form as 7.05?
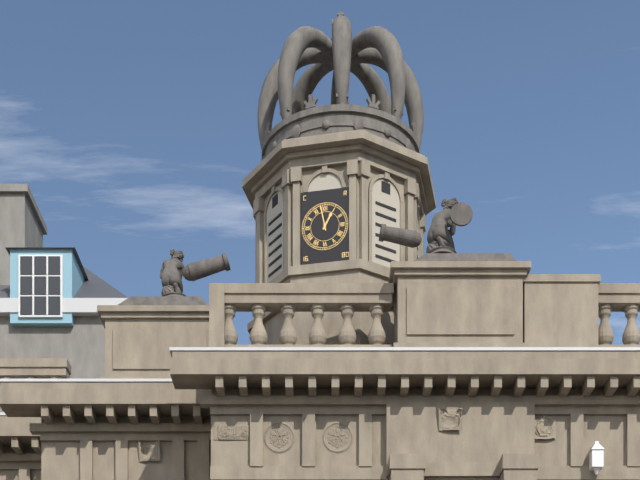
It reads 12.58
